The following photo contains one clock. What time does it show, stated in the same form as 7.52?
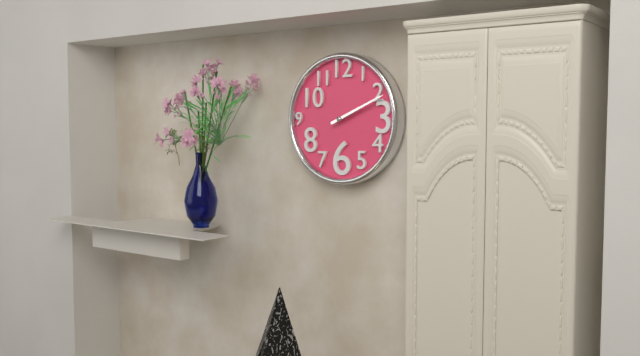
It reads 2.11
